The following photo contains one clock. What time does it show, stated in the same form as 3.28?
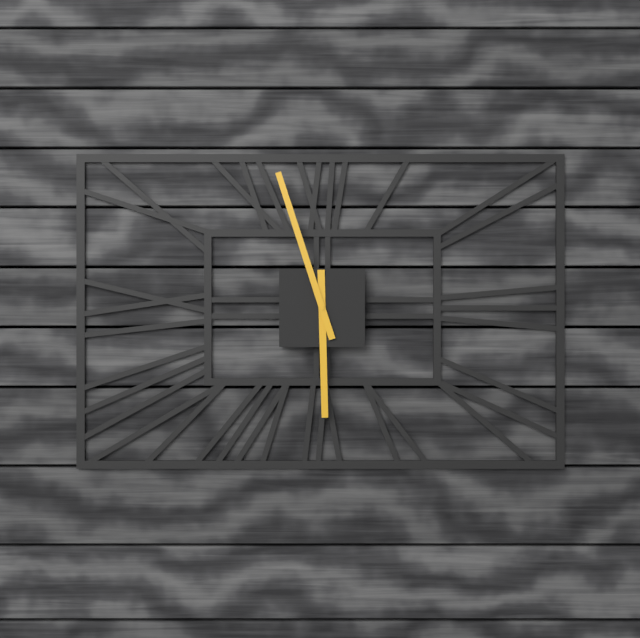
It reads 5.57
